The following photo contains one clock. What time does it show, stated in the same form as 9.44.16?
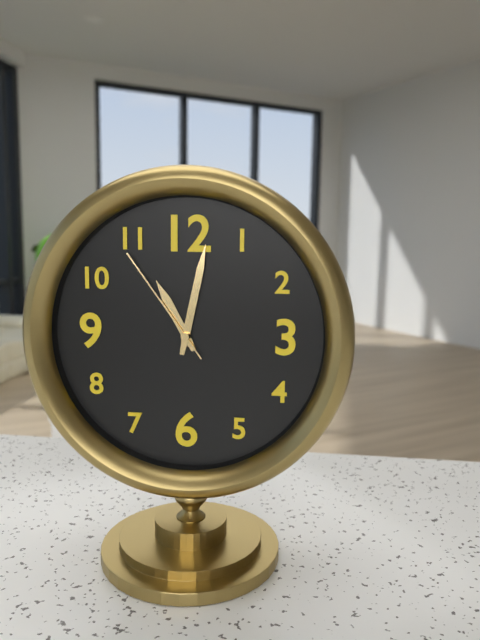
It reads 11.02.54
